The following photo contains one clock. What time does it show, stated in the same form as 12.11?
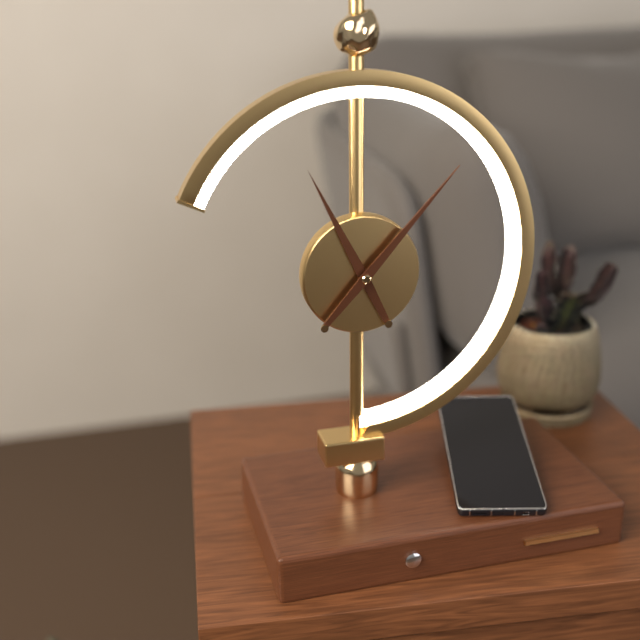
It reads 11.07
